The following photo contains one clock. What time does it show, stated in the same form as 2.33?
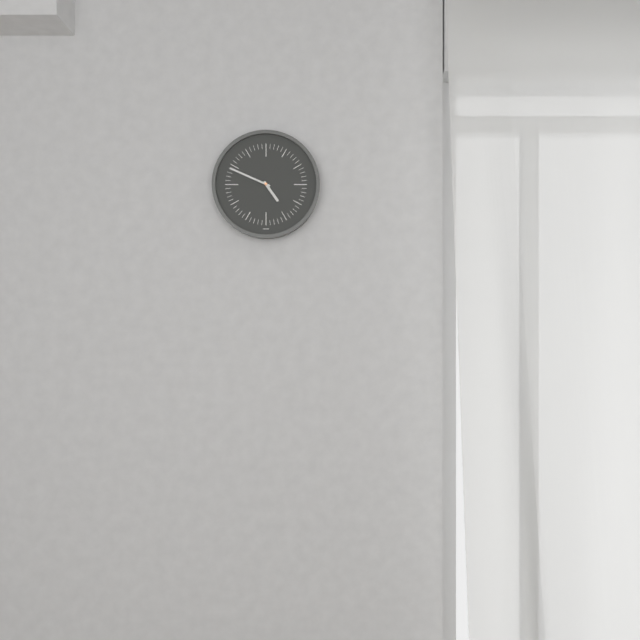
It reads 4.49
